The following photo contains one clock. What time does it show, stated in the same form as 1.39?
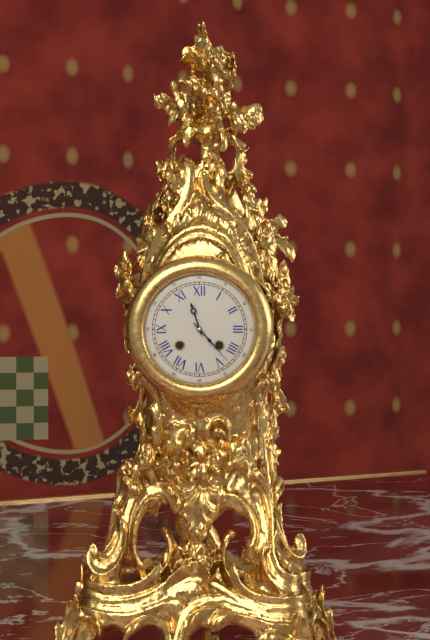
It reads 11.23
